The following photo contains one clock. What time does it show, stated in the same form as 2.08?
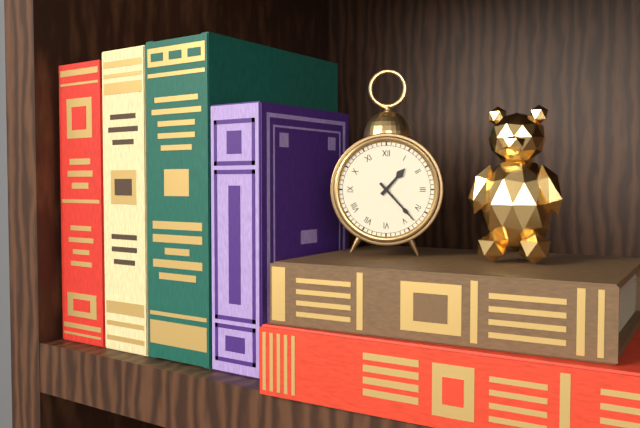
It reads 1.23
